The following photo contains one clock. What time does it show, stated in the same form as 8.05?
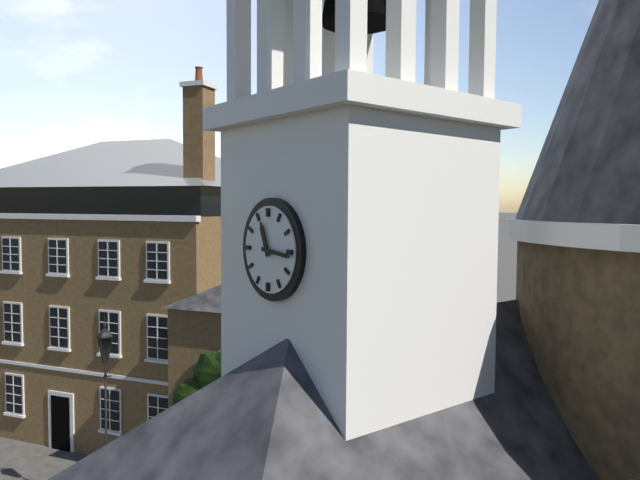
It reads 11.16
